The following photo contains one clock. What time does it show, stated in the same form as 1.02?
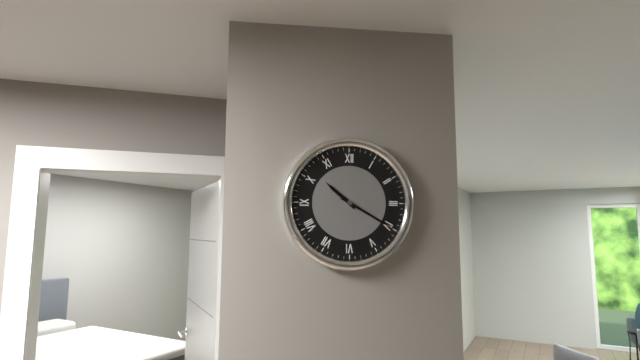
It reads 10.20
